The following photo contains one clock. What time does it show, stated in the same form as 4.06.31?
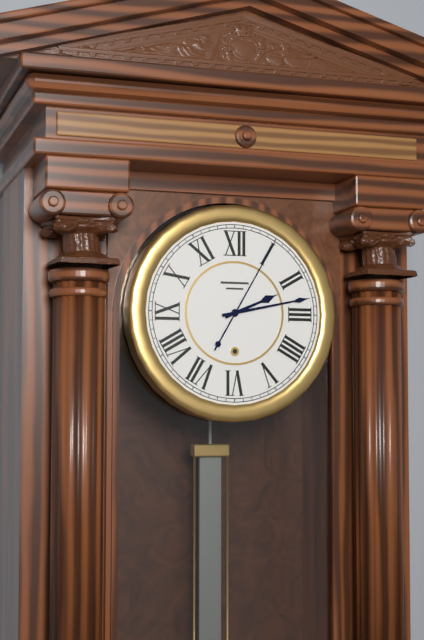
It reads 2.13.05
